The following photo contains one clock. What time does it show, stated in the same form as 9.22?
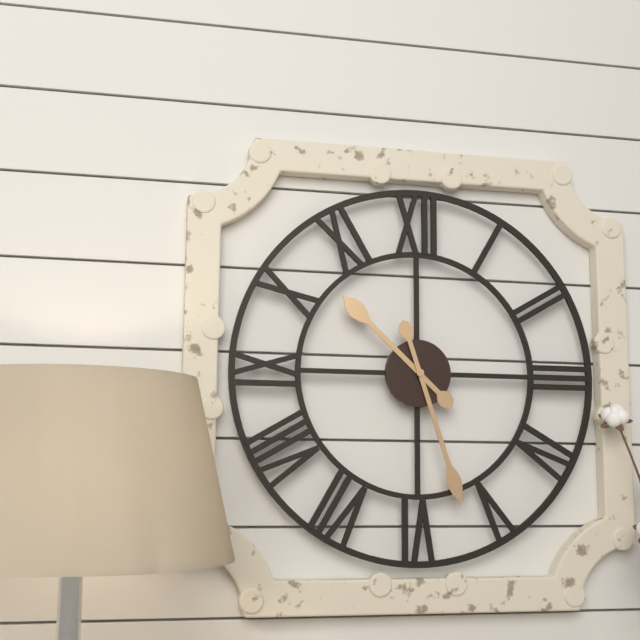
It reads 10.27
